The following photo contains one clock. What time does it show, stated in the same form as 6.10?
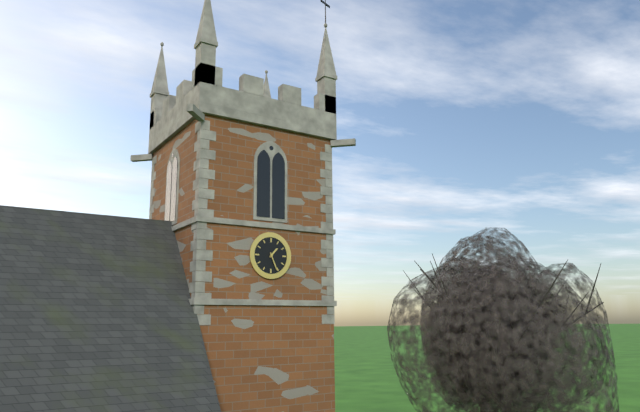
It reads 1.26
